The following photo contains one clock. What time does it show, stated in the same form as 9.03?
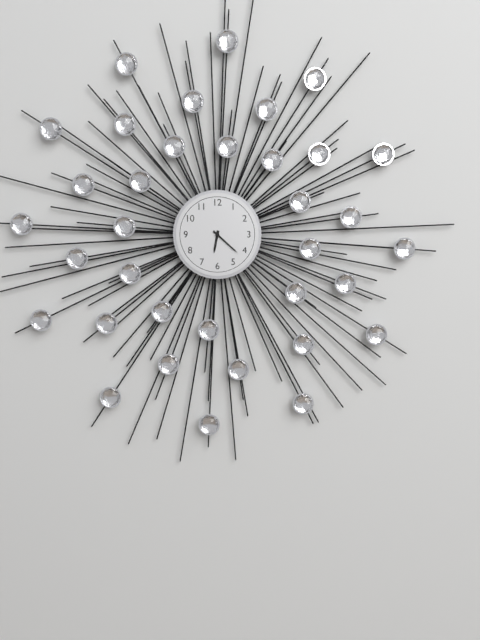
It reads 6.22
